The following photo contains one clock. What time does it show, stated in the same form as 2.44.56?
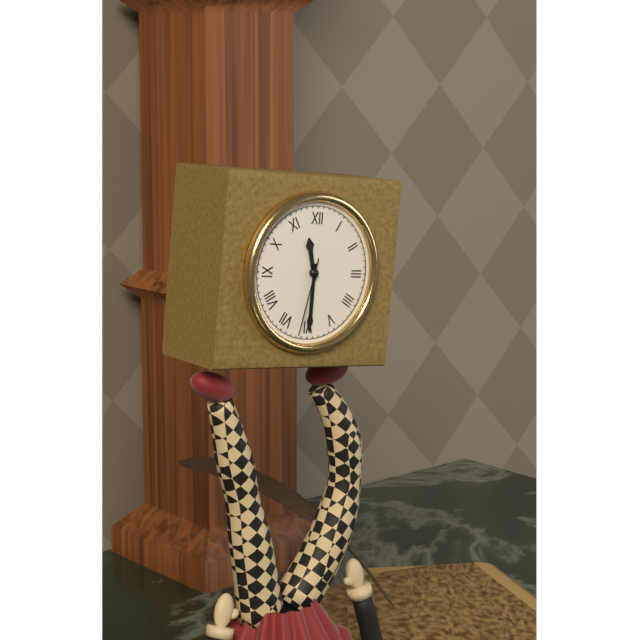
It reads 11.30.32
